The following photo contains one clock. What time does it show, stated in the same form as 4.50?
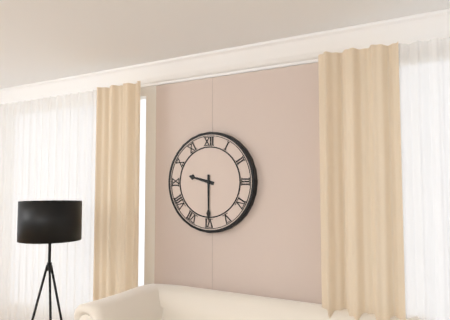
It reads 9.30
